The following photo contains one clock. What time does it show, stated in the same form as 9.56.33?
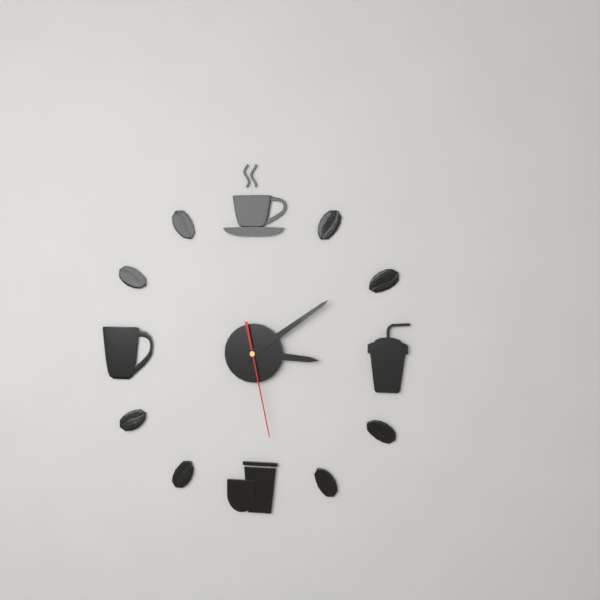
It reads 3.09.28
